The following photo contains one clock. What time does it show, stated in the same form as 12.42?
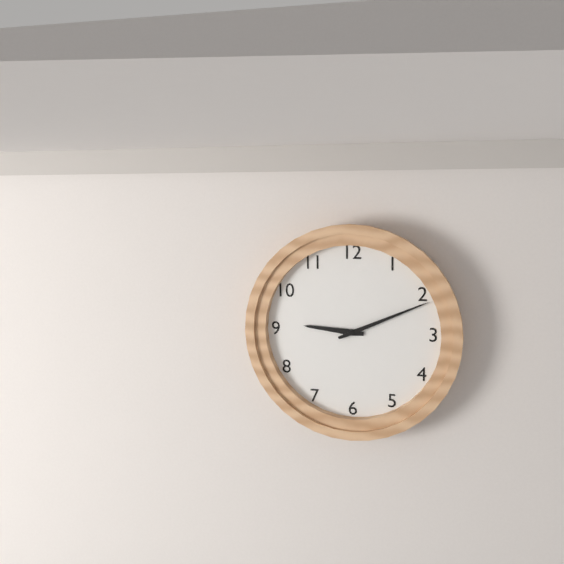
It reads 9.11
